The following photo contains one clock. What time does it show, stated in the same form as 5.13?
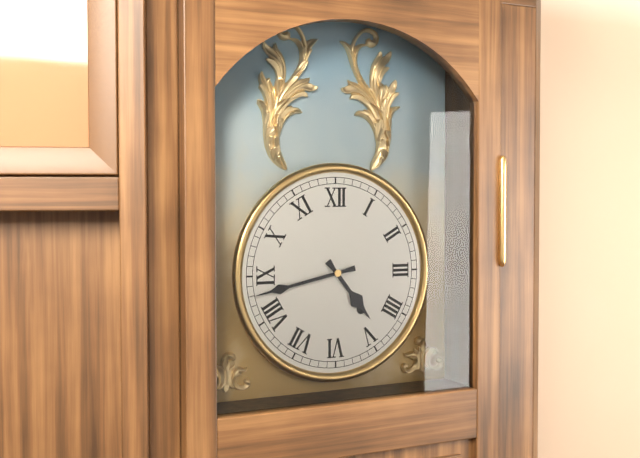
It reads 4.43
